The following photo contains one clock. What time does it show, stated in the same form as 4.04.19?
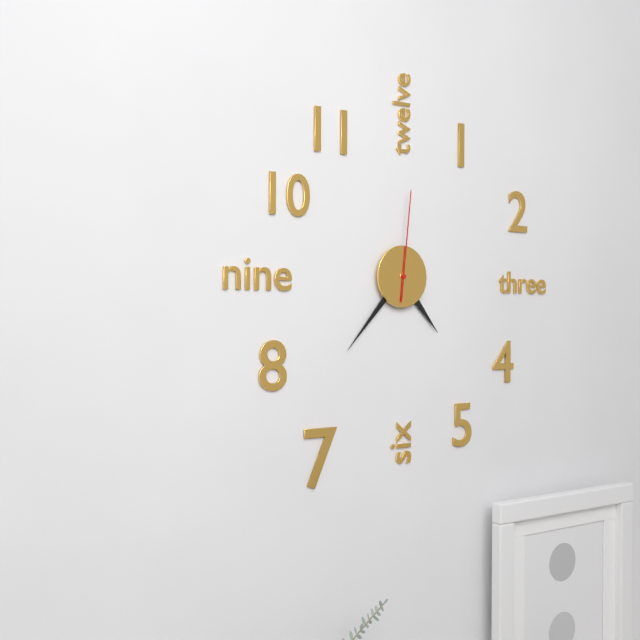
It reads 4.37.01
